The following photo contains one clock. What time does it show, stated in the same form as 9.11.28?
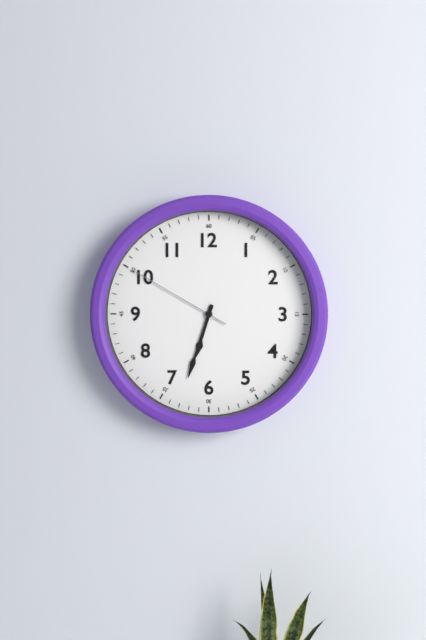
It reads 6.33.50
